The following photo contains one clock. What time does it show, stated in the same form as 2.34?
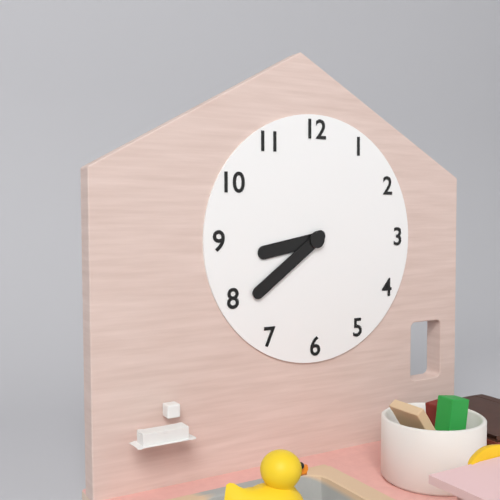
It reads 8.39
